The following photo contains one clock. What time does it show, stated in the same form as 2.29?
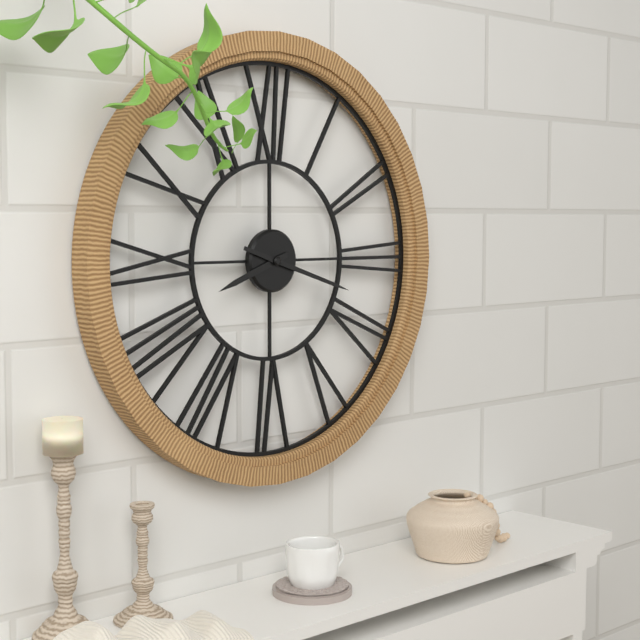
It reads 8.18
